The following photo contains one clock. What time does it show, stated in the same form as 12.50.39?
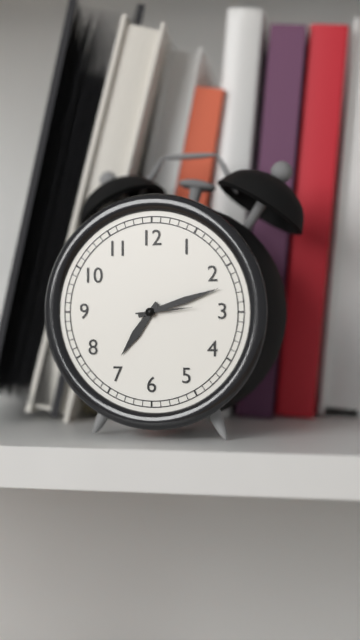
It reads 7.12.14
